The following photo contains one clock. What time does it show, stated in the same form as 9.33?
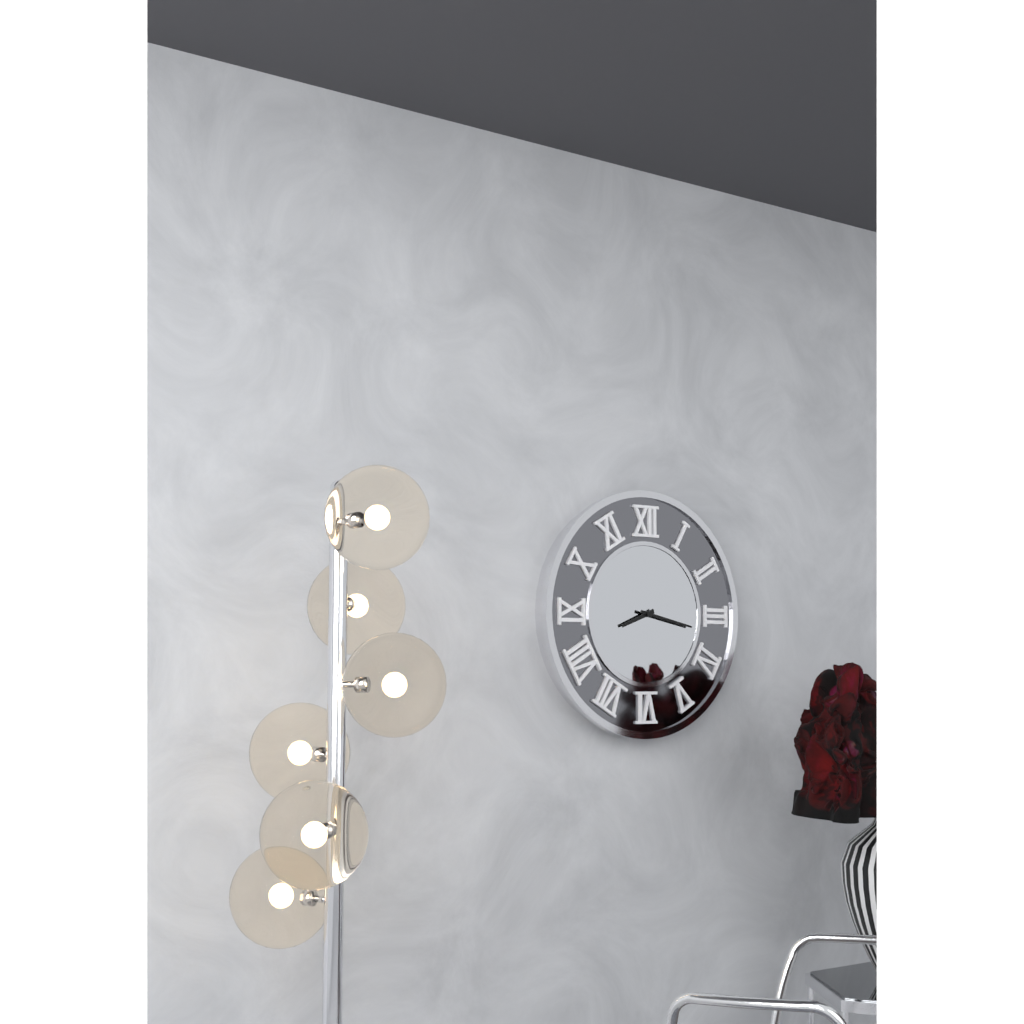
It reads 8.17
